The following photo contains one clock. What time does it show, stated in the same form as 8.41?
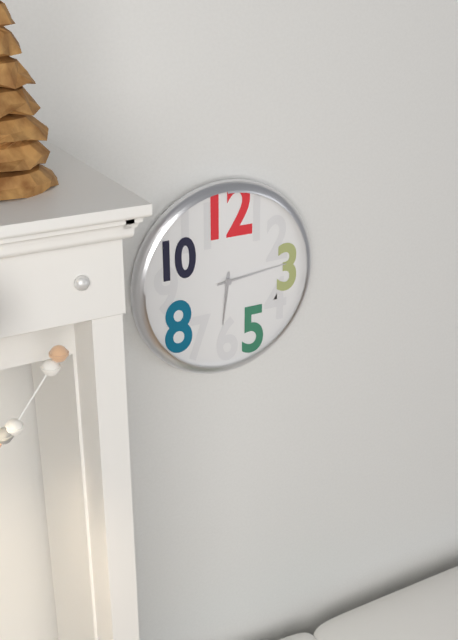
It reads 6.14
